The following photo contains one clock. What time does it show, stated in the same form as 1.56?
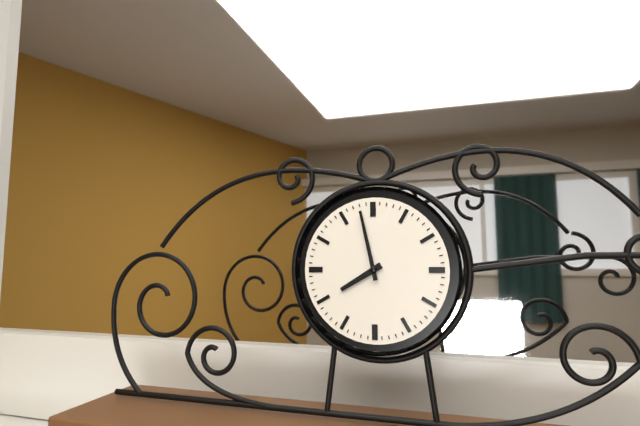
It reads 7.58
